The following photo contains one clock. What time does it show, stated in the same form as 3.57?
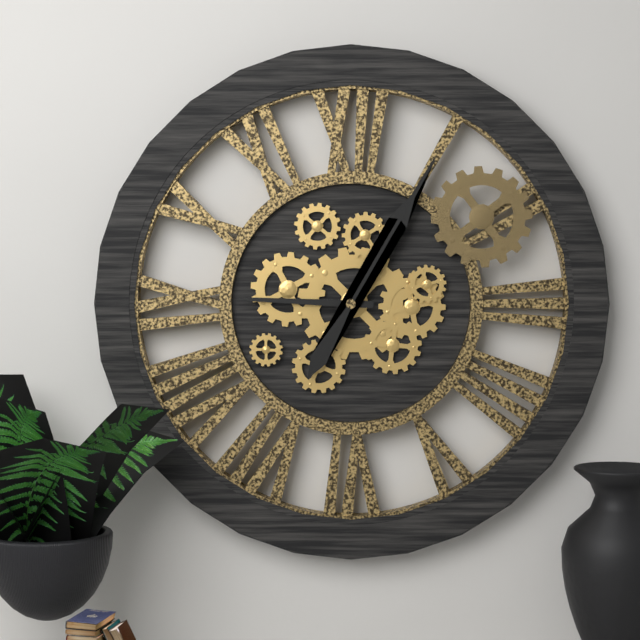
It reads 9.05
